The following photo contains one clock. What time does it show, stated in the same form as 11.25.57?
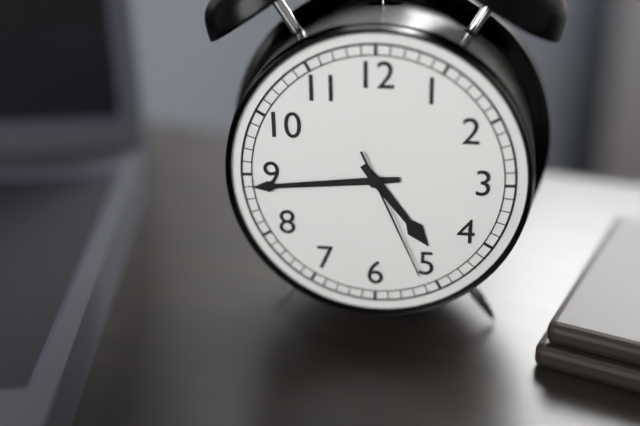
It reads 4.44.26
